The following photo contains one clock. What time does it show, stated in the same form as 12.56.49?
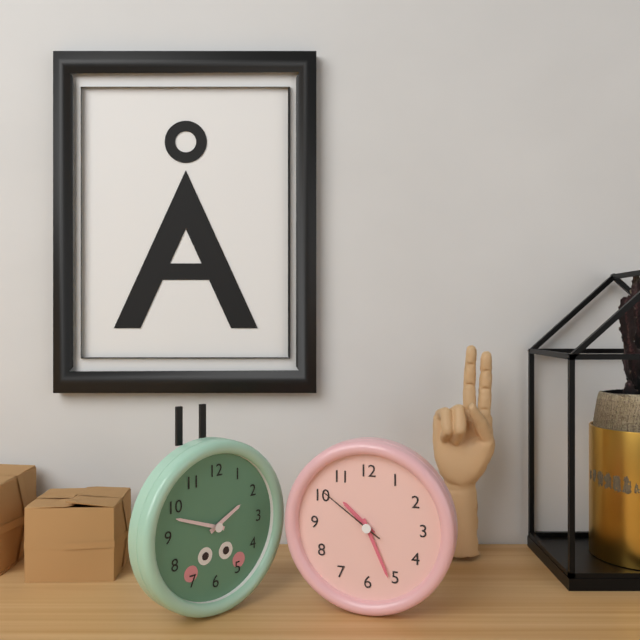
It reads 10.26.51
